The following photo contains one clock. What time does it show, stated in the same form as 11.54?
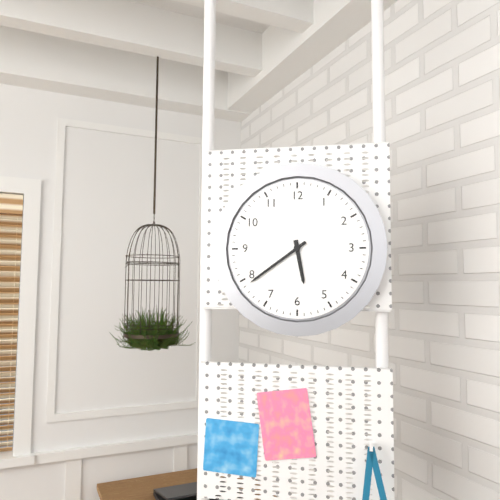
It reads 5.39
